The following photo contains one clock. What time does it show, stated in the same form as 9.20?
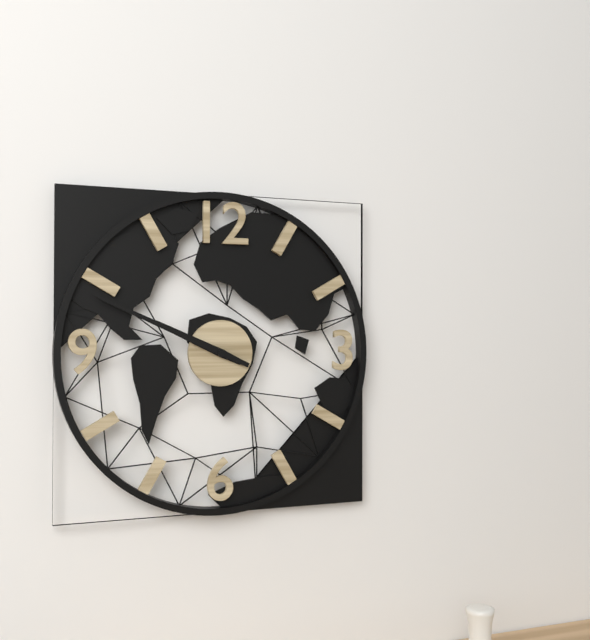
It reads 9.49
